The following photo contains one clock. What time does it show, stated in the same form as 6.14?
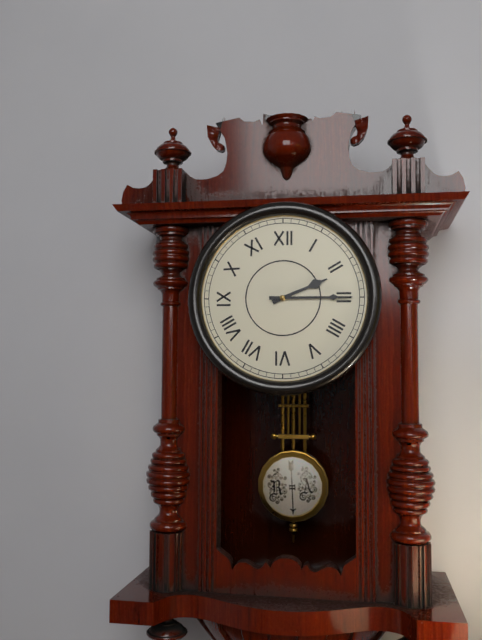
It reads 2.15
